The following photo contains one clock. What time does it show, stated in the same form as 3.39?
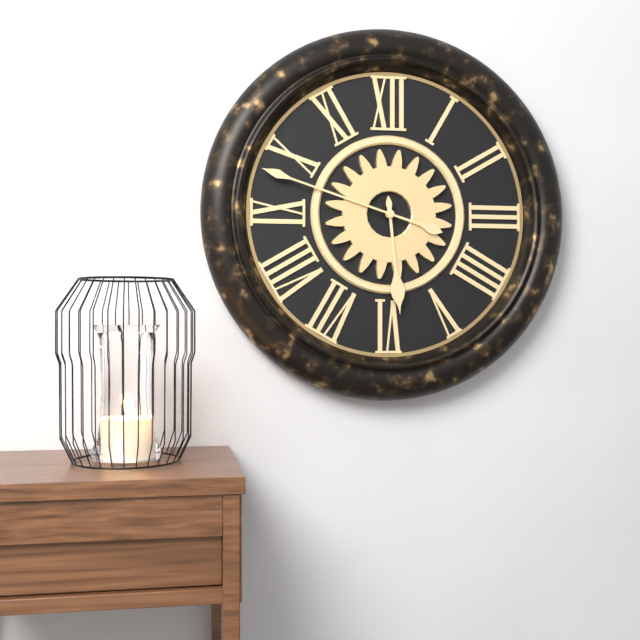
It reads 5.48
